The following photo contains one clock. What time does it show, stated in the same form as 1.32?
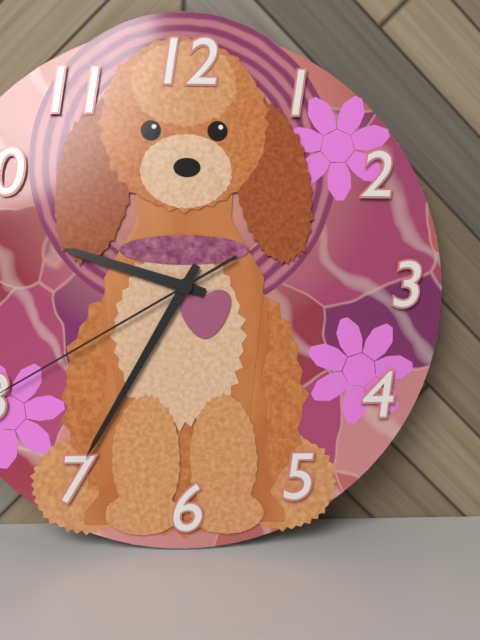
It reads 9.35
